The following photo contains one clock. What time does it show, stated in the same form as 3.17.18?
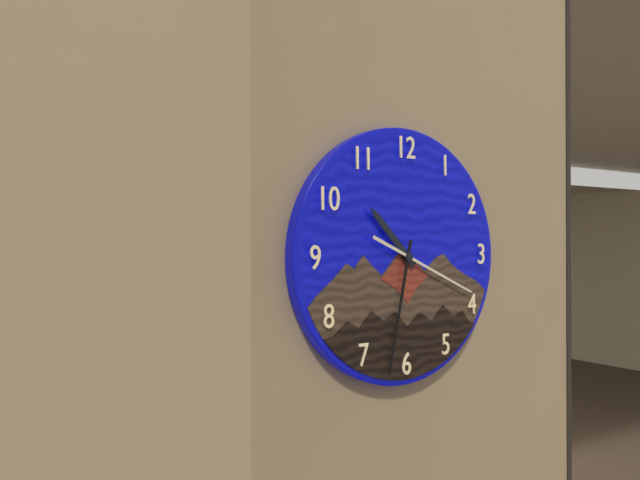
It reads 10.32.19
